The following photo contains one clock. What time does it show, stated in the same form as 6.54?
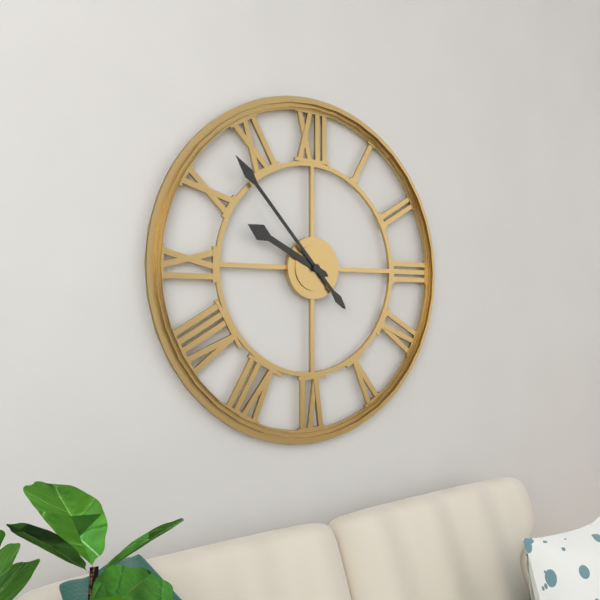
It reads 9.53
